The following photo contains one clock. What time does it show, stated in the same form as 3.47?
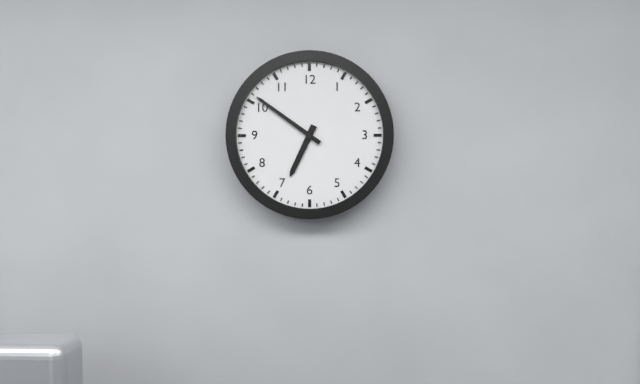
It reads 6.51
